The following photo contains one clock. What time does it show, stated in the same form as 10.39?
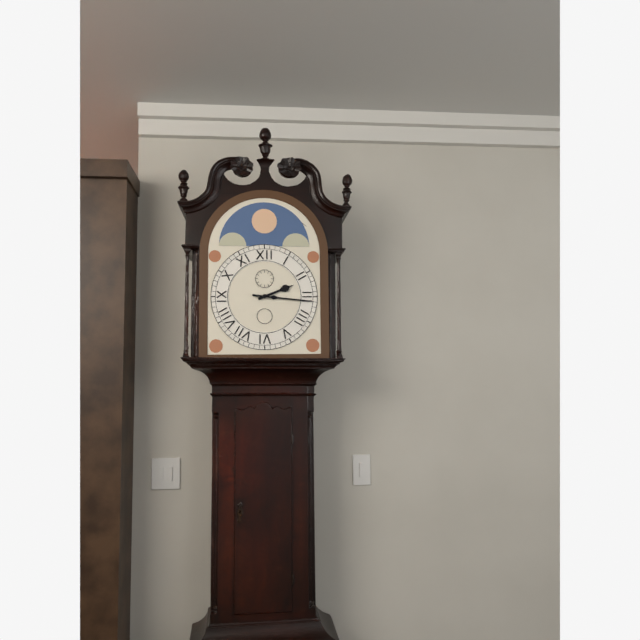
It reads 2.16
